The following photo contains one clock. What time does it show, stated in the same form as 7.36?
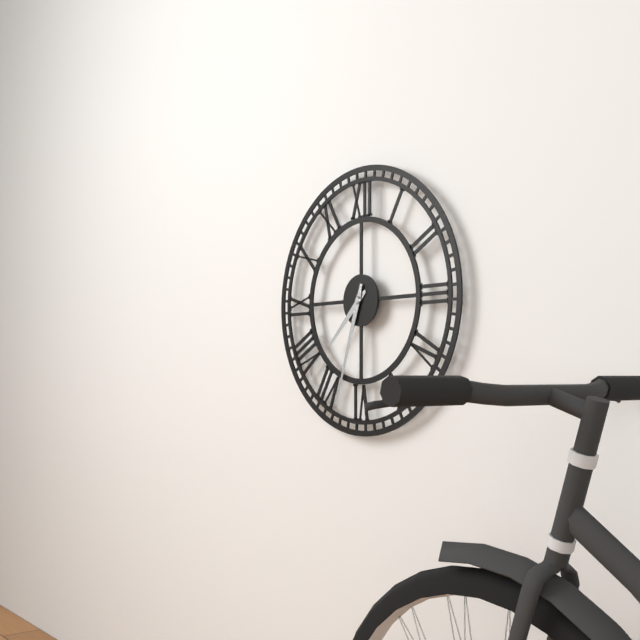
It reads 7.33
